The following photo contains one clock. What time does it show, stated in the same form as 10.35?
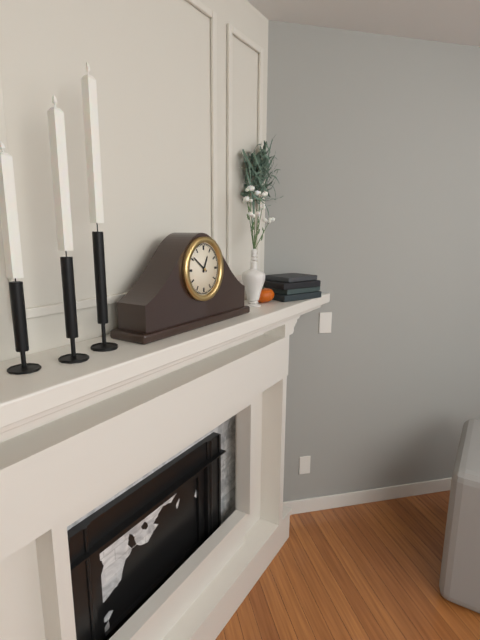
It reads 12.51
